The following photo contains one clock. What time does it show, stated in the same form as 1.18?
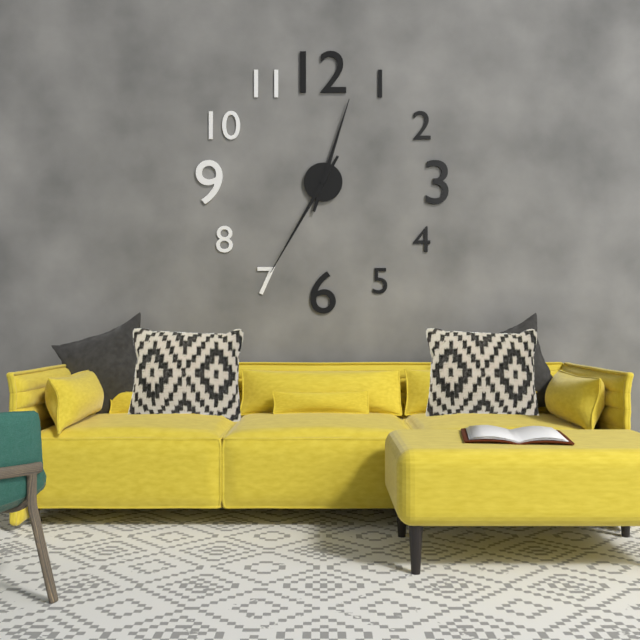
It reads 12.35
